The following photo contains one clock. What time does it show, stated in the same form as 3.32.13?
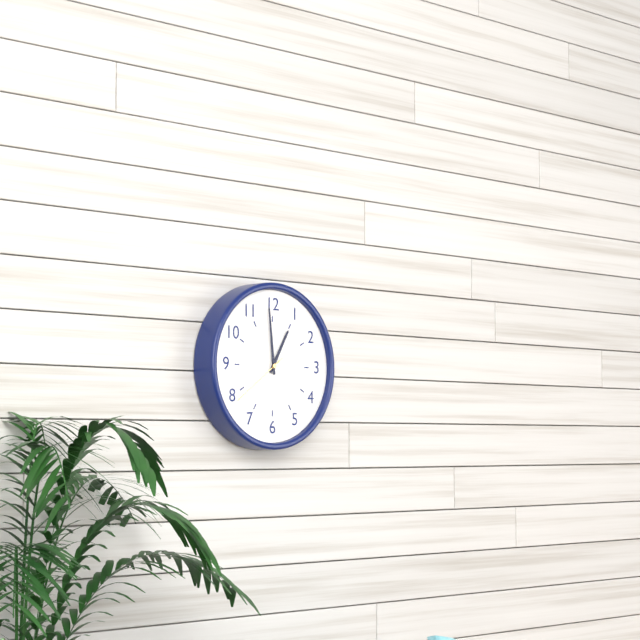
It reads 12.59.39
